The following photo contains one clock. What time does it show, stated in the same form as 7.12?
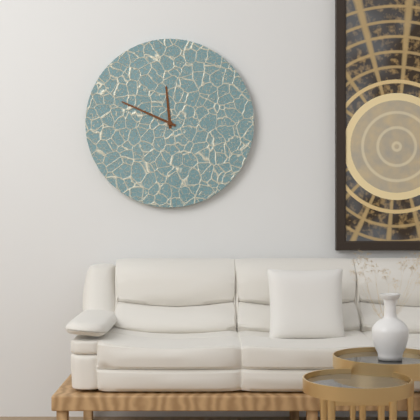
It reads 11.49
